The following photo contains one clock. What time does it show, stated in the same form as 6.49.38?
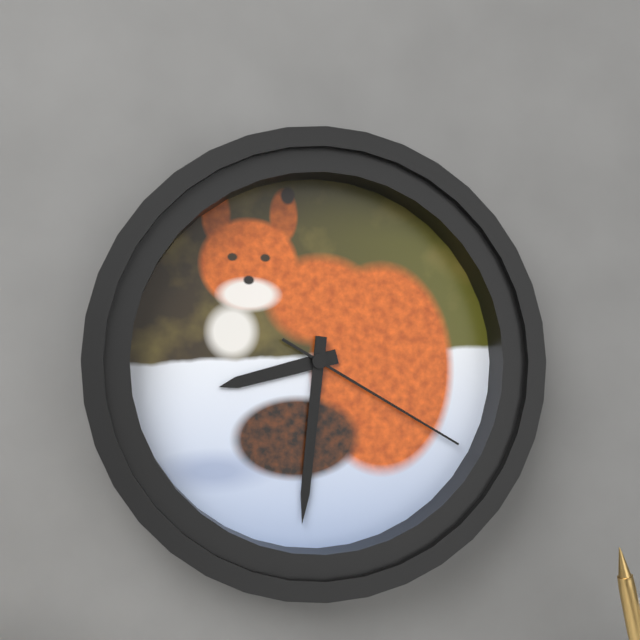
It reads 8.31.20
